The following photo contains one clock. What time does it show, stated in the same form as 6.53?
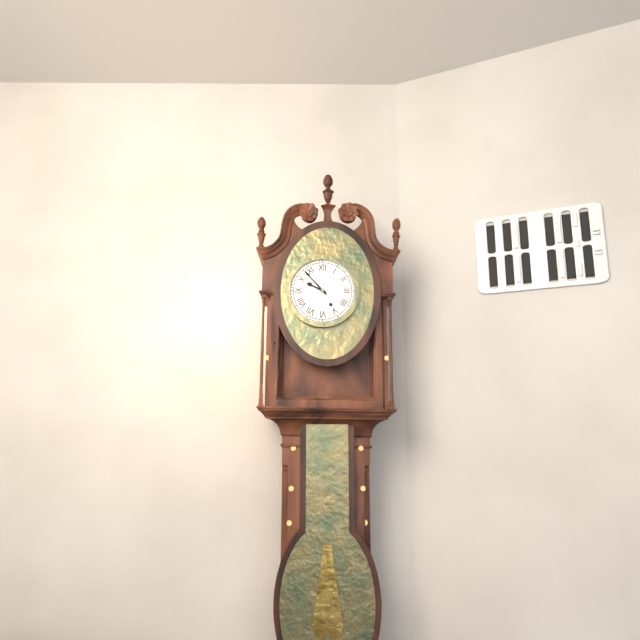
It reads 9.53
